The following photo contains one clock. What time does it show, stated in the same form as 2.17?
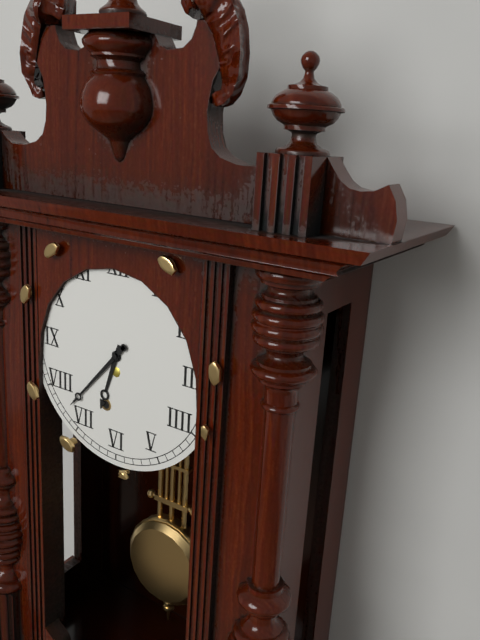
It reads 6.37
